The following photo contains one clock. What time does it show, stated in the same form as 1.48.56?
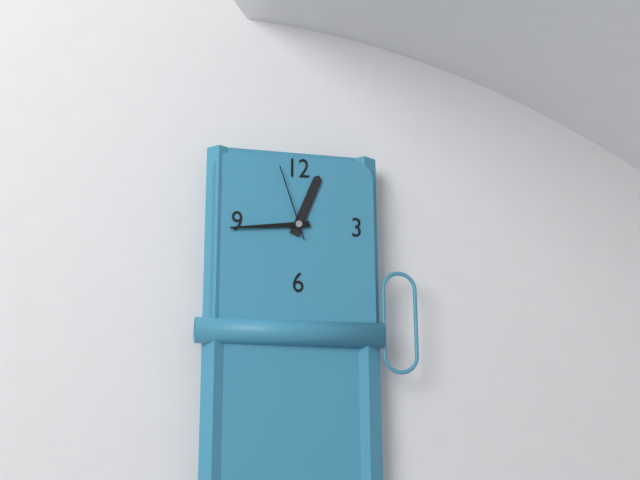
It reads 12.44.57
